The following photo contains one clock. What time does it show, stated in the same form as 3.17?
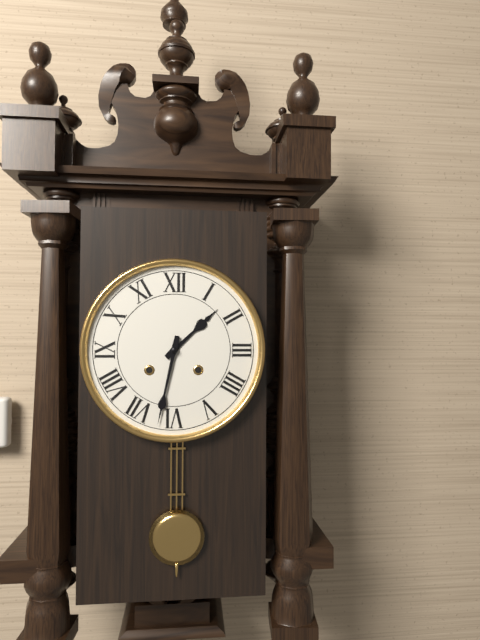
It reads 1.32
